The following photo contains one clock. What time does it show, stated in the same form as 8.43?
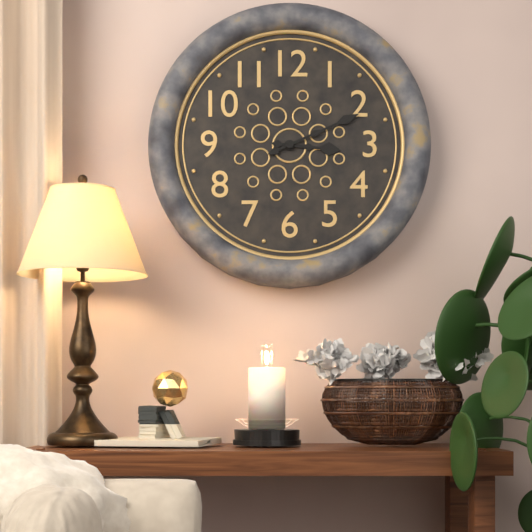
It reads 3.11
